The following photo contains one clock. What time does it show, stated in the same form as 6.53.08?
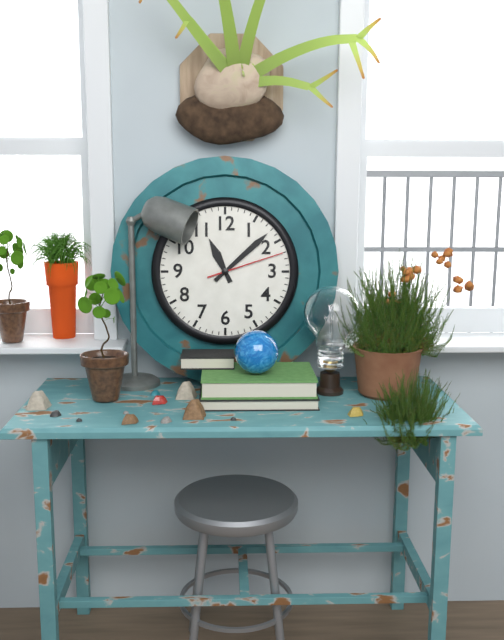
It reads 11.08.12
